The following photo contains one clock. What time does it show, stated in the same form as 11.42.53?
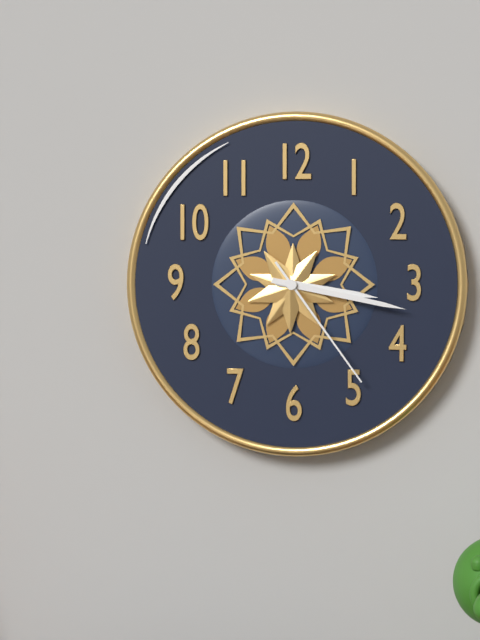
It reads 3.17.24
